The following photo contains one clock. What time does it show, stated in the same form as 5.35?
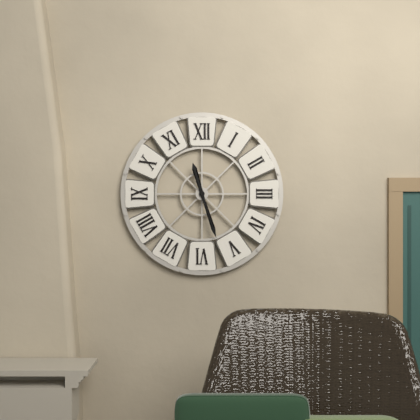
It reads 11.27
